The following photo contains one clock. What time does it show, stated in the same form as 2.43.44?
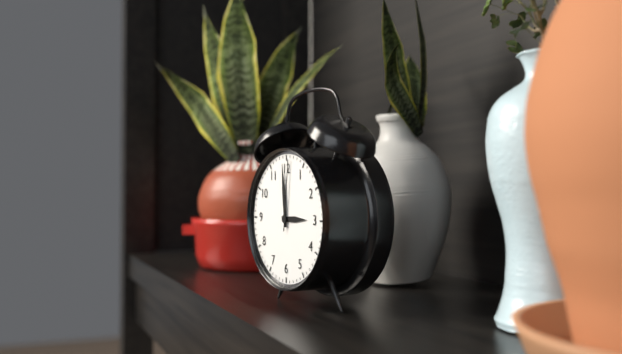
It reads 2.59.01
